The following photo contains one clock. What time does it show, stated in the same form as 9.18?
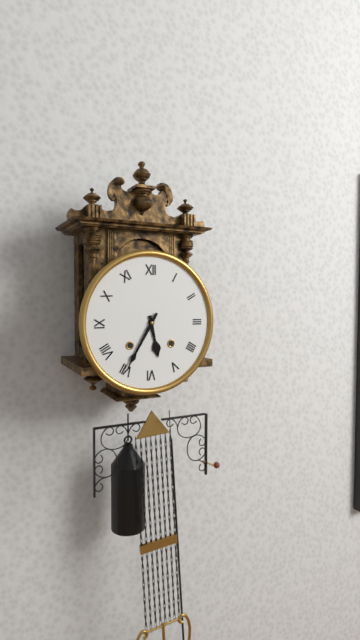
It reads 5.35
